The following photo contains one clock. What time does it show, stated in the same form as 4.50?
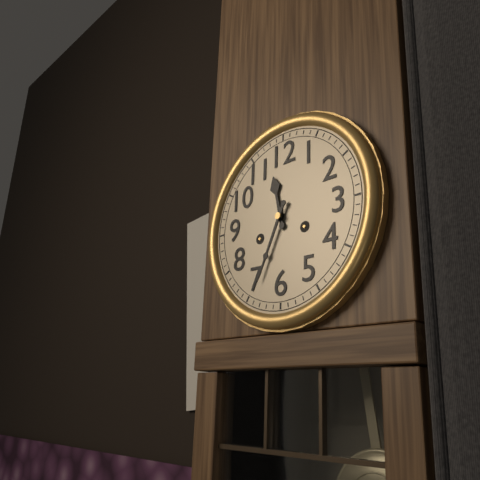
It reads 11.34
